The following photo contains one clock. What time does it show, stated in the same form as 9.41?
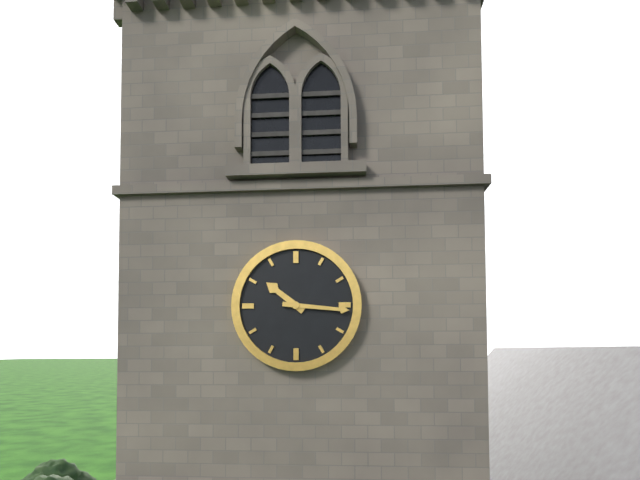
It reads 10.16
